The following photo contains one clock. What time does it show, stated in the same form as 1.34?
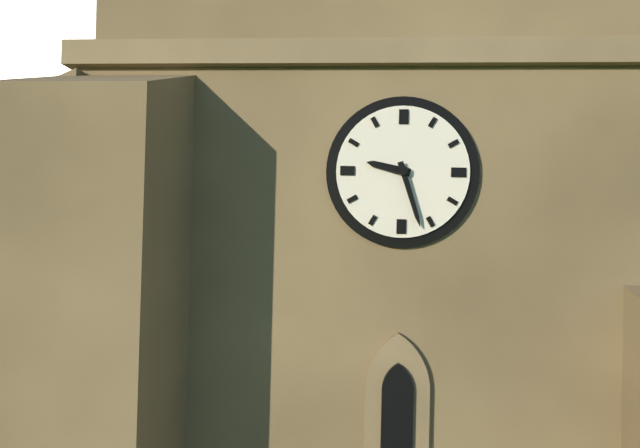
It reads 9.27
